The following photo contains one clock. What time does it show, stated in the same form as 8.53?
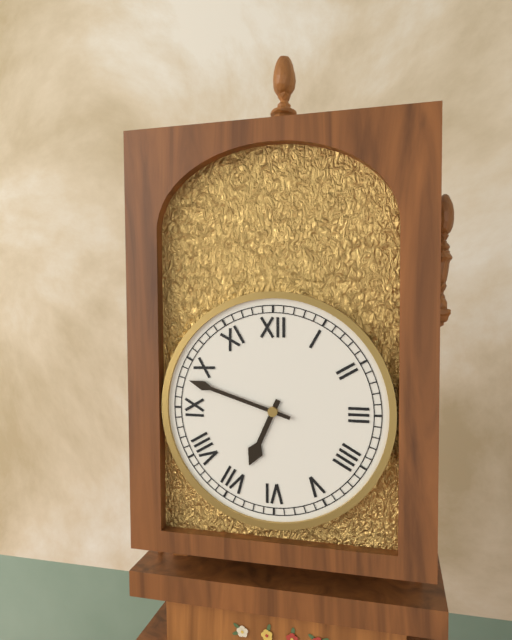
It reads 6.48
